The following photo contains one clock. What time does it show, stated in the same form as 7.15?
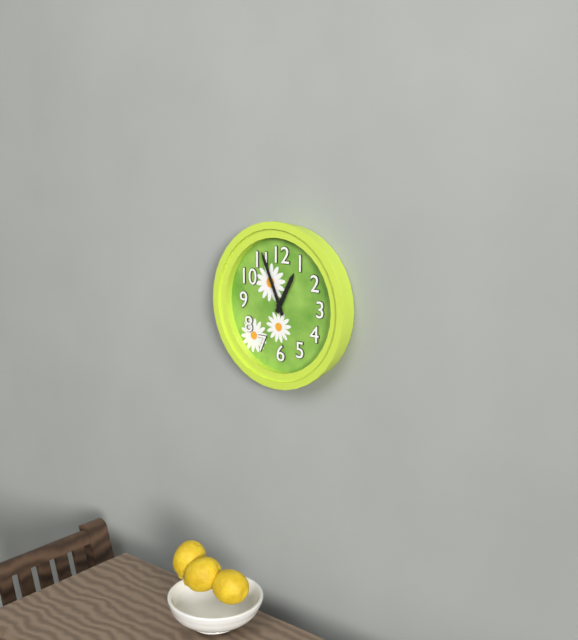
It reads 12.56
